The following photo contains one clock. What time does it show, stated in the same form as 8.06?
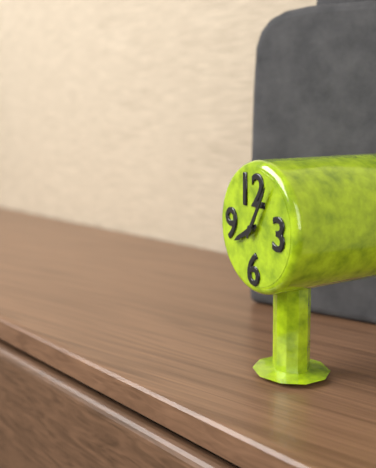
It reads 8.05
